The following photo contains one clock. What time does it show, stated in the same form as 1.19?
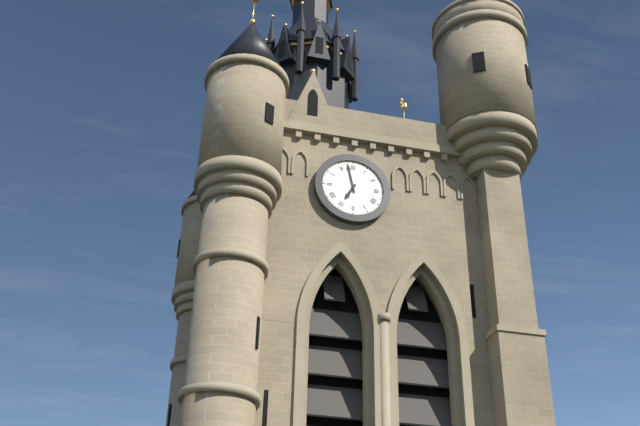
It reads 6.58
